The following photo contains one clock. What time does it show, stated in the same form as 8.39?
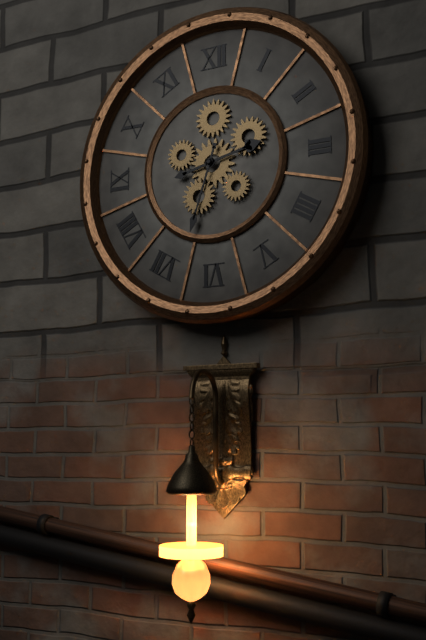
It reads 2.33
